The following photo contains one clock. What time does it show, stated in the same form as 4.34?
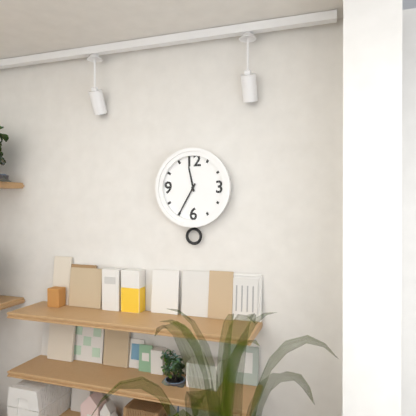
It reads 11.35
